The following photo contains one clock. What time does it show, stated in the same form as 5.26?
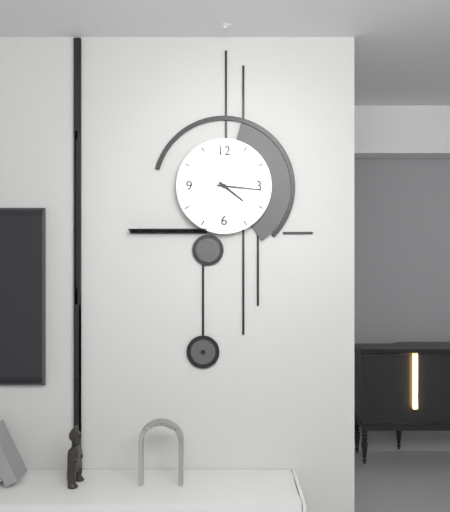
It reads 4.16
